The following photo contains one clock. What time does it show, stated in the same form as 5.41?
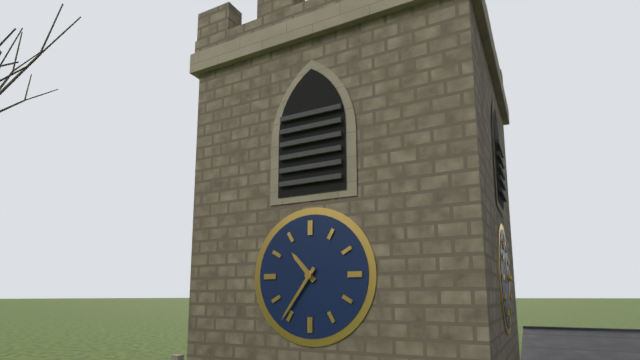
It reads 10.36
